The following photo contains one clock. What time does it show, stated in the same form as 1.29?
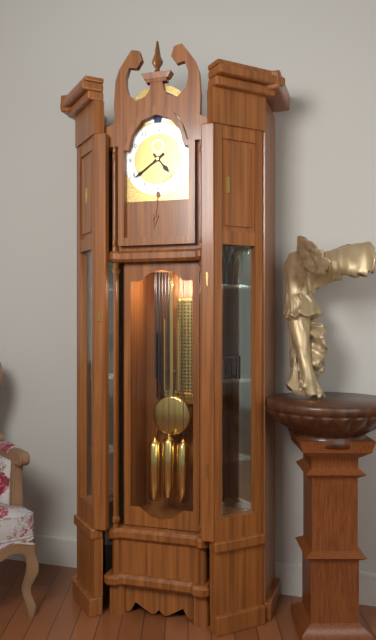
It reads 4.39
